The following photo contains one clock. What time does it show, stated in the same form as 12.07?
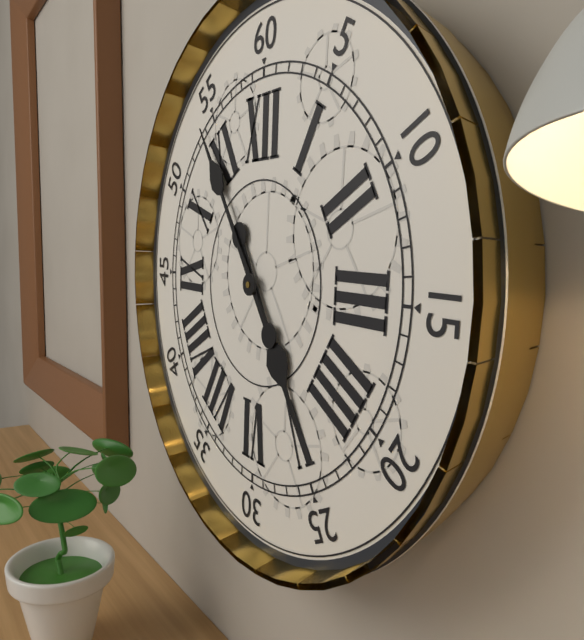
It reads 4.54
